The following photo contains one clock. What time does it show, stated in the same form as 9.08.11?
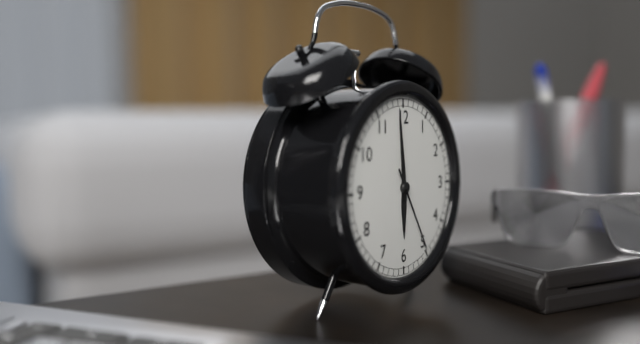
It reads 5.59.25
